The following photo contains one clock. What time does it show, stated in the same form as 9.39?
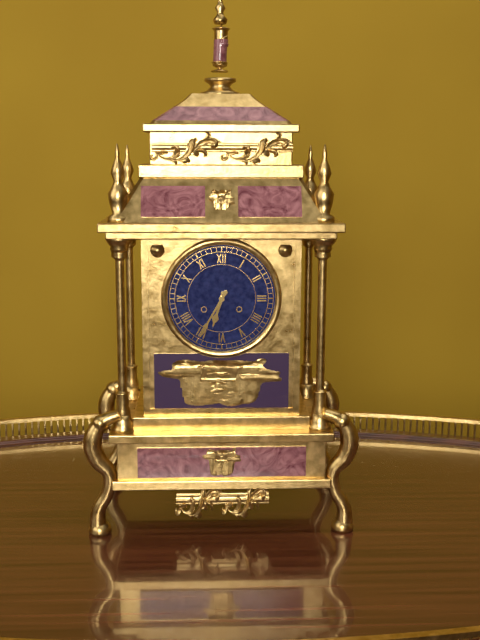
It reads 6.35
